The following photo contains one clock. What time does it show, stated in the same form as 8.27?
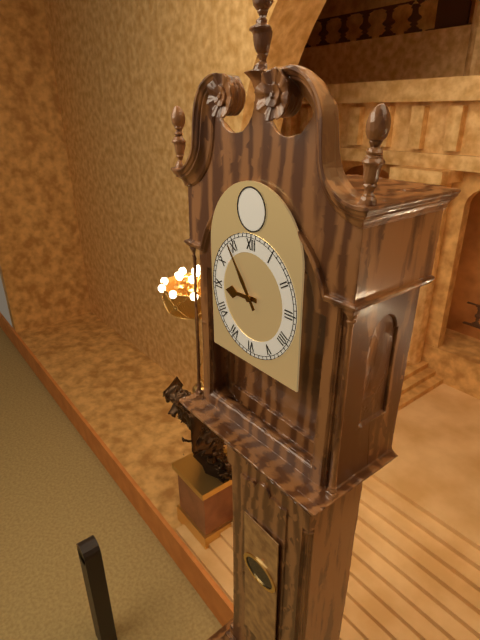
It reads 8.54
